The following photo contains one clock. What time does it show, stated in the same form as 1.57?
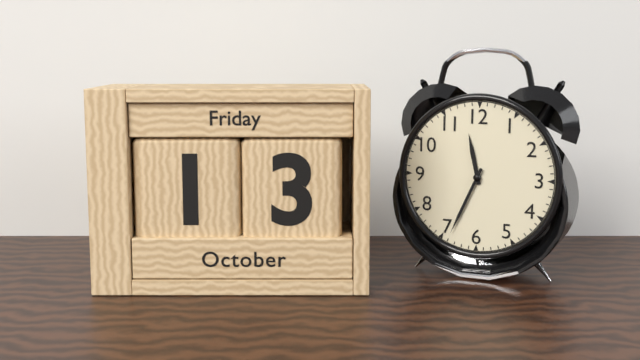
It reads 11.34
